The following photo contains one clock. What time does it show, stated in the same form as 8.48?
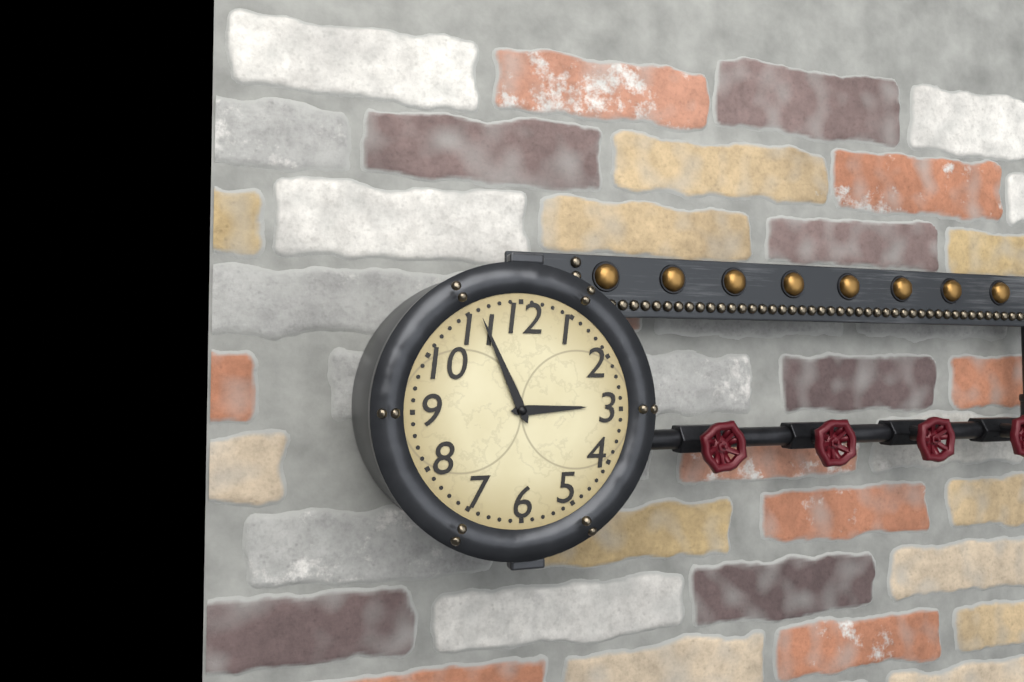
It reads 2.56
